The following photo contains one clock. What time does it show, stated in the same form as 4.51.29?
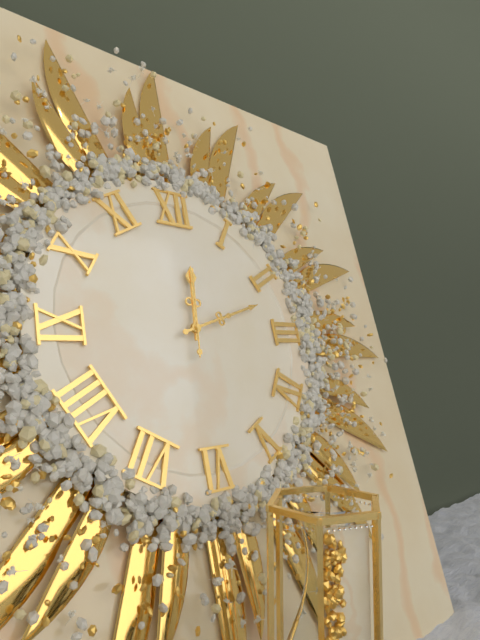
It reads 12.12.01
